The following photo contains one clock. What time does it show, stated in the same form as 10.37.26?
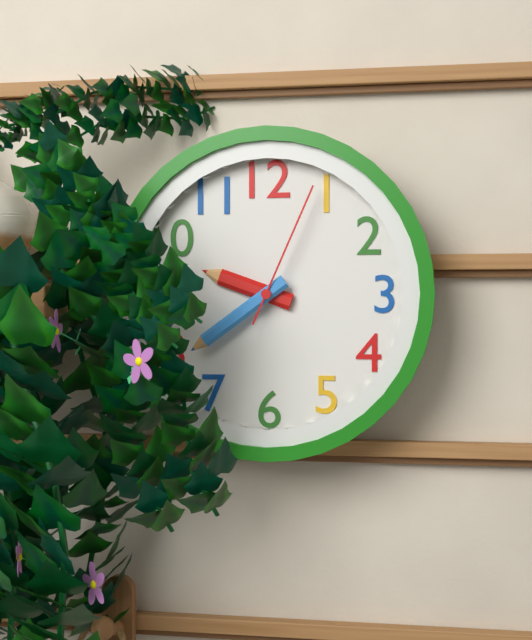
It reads 9.39.04
